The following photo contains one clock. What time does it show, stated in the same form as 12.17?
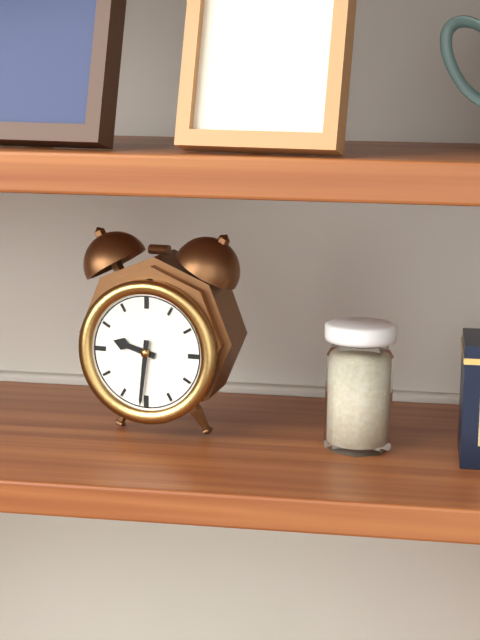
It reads 9.31
